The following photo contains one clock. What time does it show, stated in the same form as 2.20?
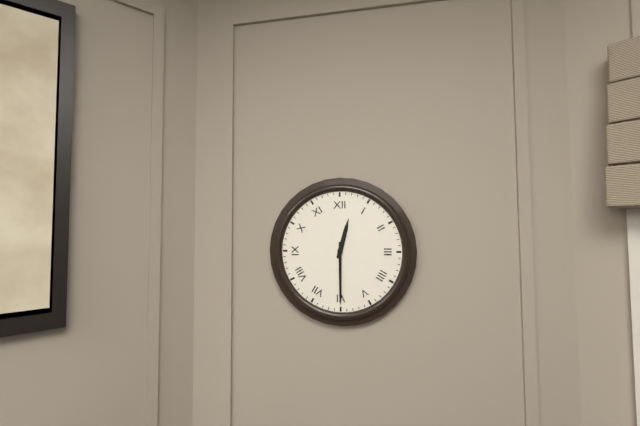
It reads 12.30
